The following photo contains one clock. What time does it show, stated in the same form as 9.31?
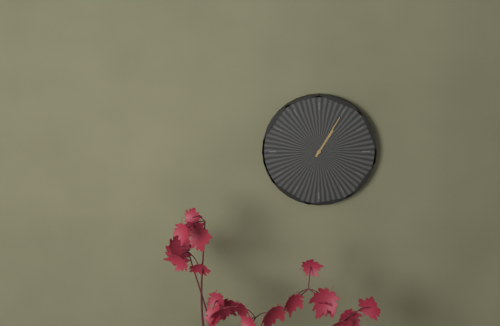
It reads 1.05
